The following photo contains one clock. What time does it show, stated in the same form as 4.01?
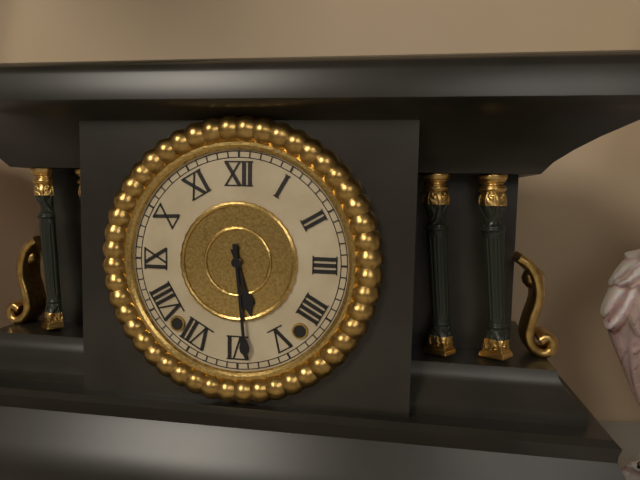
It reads 5.29
